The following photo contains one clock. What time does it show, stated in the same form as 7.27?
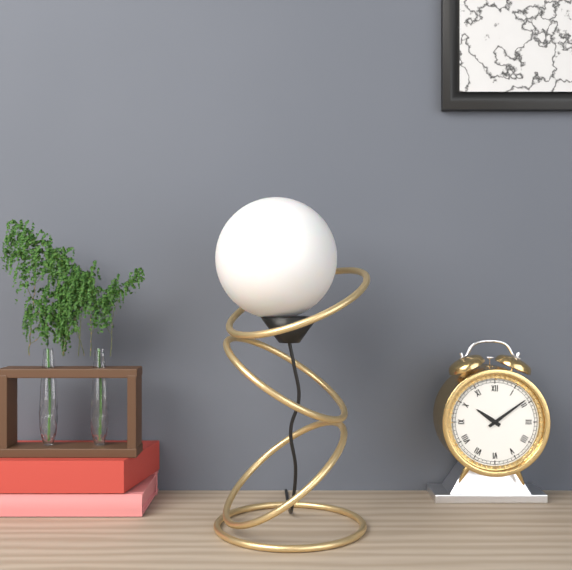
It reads 10.09
